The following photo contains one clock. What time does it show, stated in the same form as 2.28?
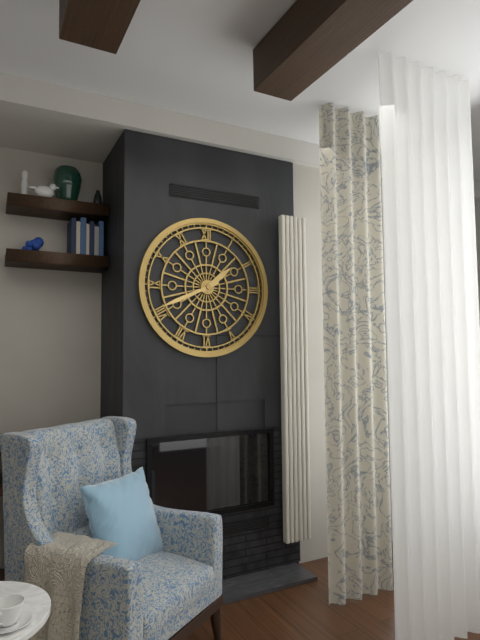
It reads 1.41
